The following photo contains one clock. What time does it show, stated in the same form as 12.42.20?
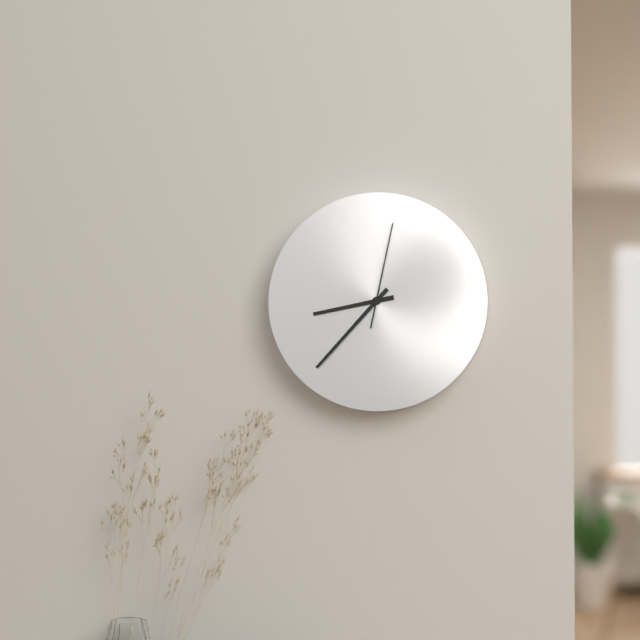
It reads 8.37.02
